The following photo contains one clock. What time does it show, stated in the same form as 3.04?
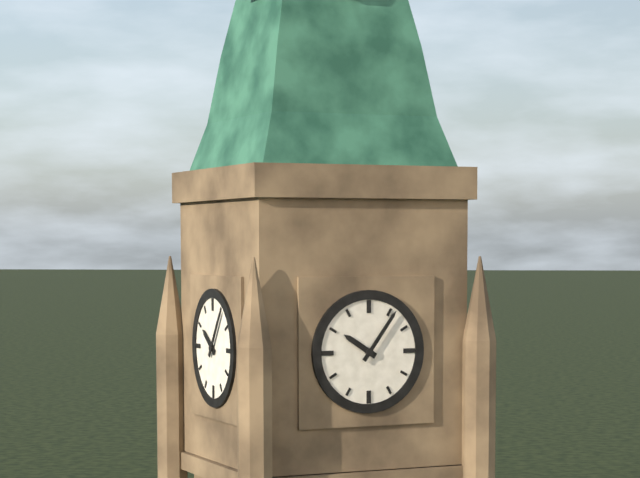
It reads 10.06
